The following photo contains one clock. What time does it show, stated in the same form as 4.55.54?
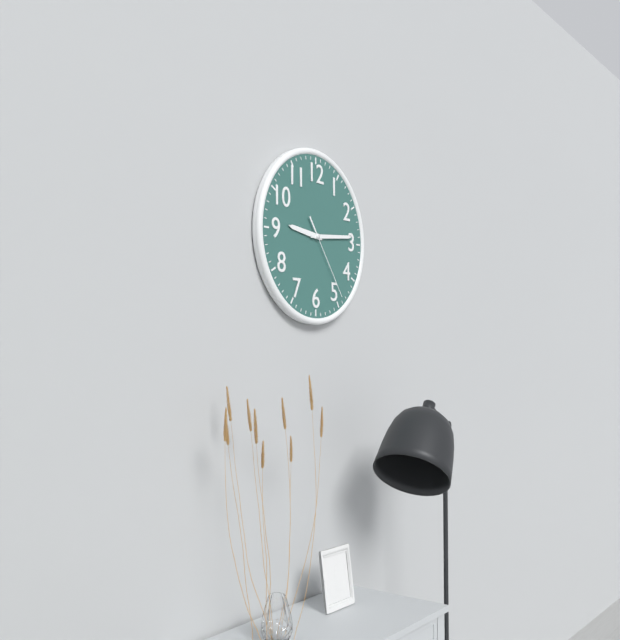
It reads 9.14.24
